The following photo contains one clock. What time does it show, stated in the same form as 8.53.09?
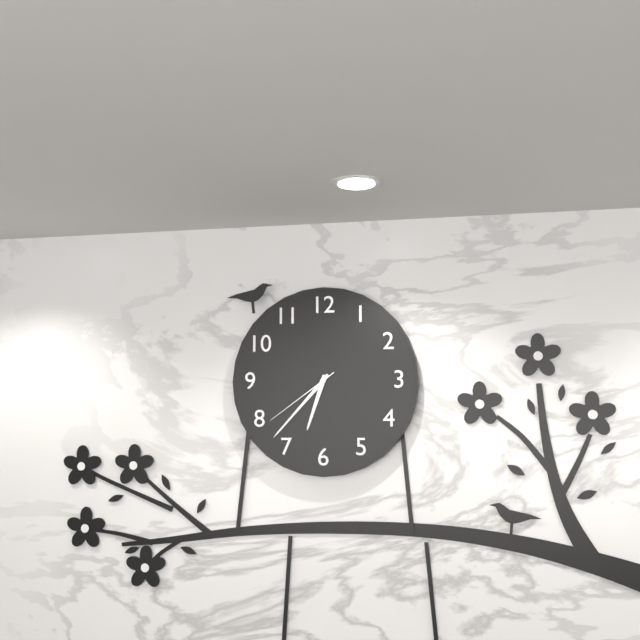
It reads 6.37.39
